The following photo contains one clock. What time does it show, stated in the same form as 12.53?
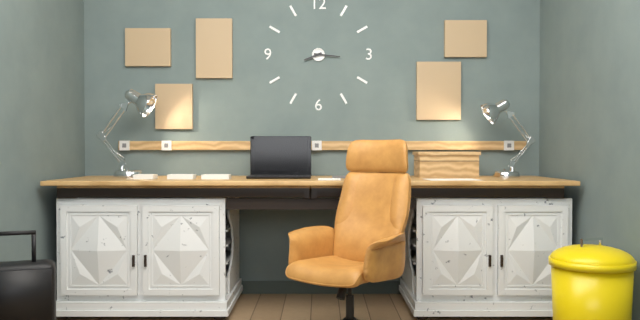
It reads 8.16
